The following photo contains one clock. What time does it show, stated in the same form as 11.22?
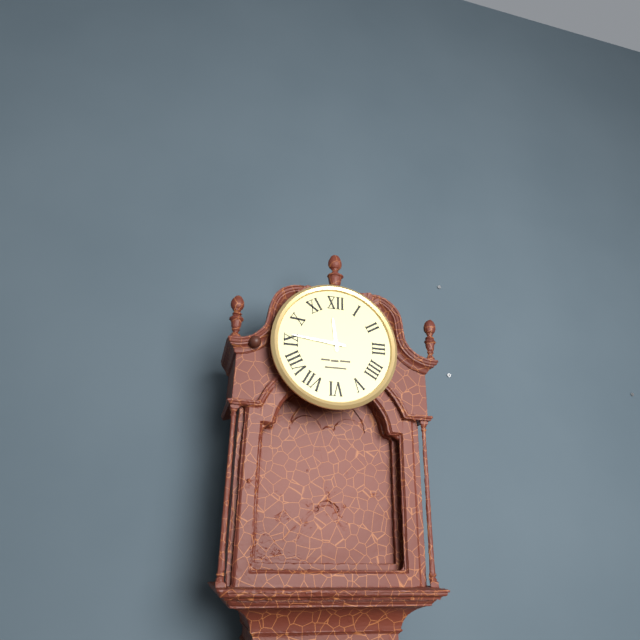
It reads 11.46
